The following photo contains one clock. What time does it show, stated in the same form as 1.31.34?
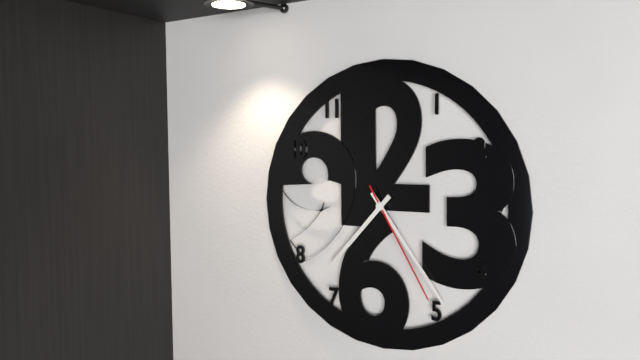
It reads 7.24.25
